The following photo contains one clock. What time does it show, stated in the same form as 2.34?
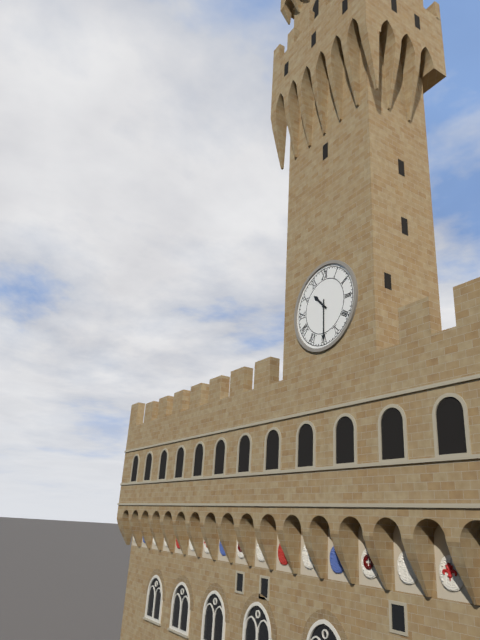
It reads 10.30
